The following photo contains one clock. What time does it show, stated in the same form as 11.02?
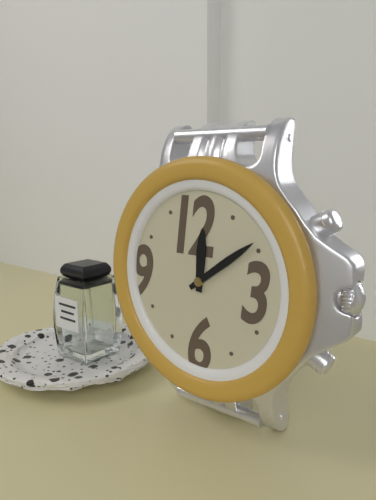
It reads 12.09
